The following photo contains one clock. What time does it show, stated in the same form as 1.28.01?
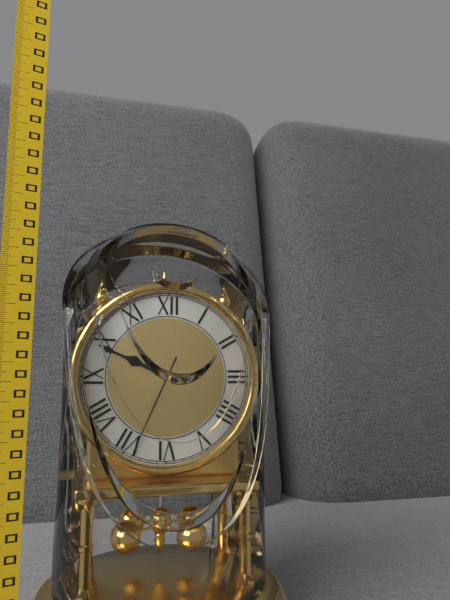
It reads 9.49.34
